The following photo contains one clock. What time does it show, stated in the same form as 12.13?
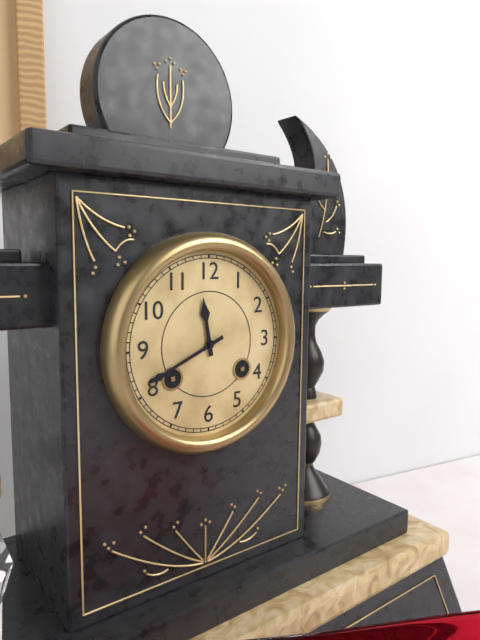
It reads 11.41
